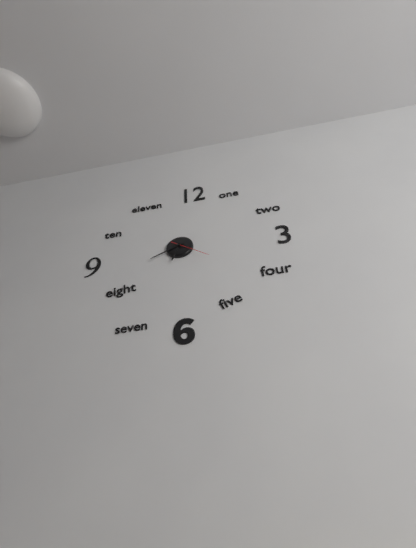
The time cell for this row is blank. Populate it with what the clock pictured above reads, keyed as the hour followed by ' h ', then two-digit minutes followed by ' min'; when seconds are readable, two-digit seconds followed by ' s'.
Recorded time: 6 h 41 min
